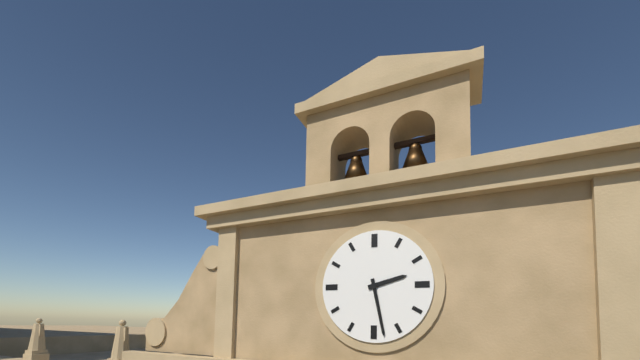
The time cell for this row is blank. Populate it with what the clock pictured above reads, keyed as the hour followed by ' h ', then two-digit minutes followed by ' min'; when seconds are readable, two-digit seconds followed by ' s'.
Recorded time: 2 h 28 min
